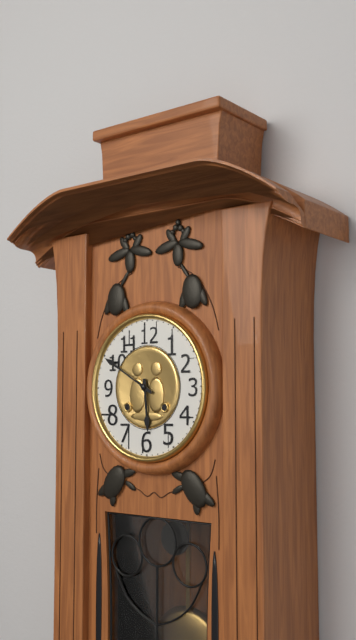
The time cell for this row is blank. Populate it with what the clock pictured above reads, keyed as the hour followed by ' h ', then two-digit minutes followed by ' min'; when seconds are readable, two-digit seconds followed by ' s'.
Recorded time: 5 h 50 min
